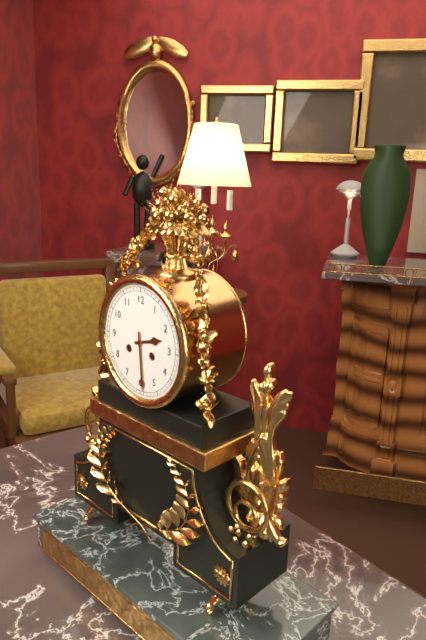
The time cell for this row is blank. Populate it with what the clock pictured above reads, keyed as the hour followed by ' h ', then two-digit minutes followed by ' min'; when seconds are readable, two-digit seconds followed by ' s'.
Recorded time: 2 h 29 min
